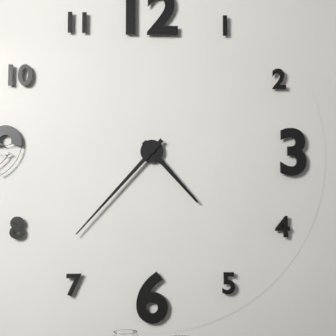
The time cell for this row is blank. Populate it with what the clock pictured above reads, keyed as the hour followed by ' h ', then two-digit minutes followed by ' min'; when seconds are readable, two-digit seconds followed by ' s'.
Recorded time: 4 h 37 min
